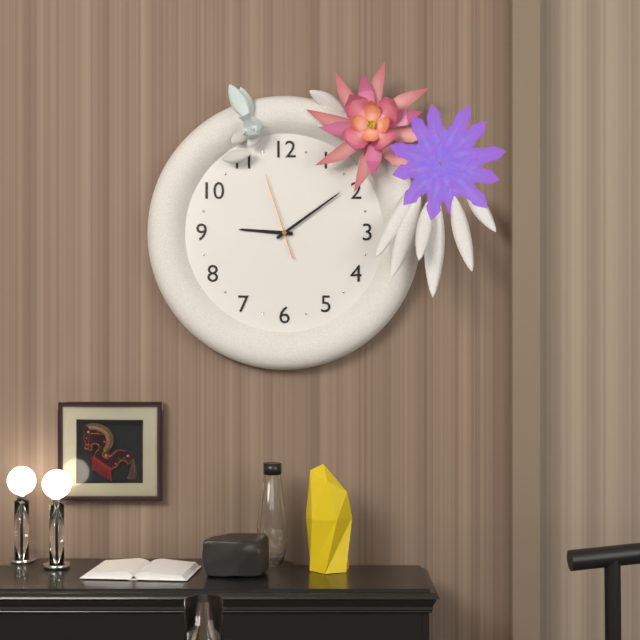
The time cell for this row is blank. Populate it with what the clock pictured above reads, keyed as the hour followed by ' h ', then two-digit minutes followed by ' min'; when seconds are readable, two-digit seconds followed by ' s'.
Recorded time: 9 h 09 min 57 s
